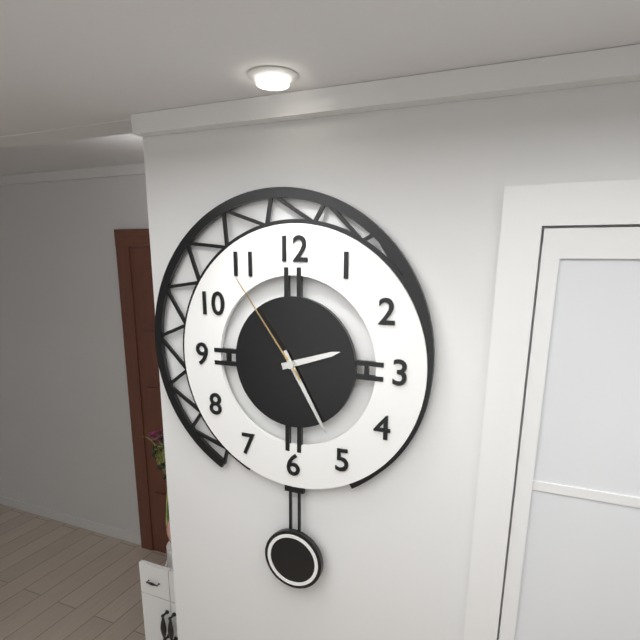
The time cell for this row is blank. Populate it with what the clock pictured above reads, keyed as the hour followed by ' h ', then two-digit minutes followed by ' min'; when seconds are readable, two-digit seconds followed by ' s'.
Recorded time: 2 h 25 min 54 s
